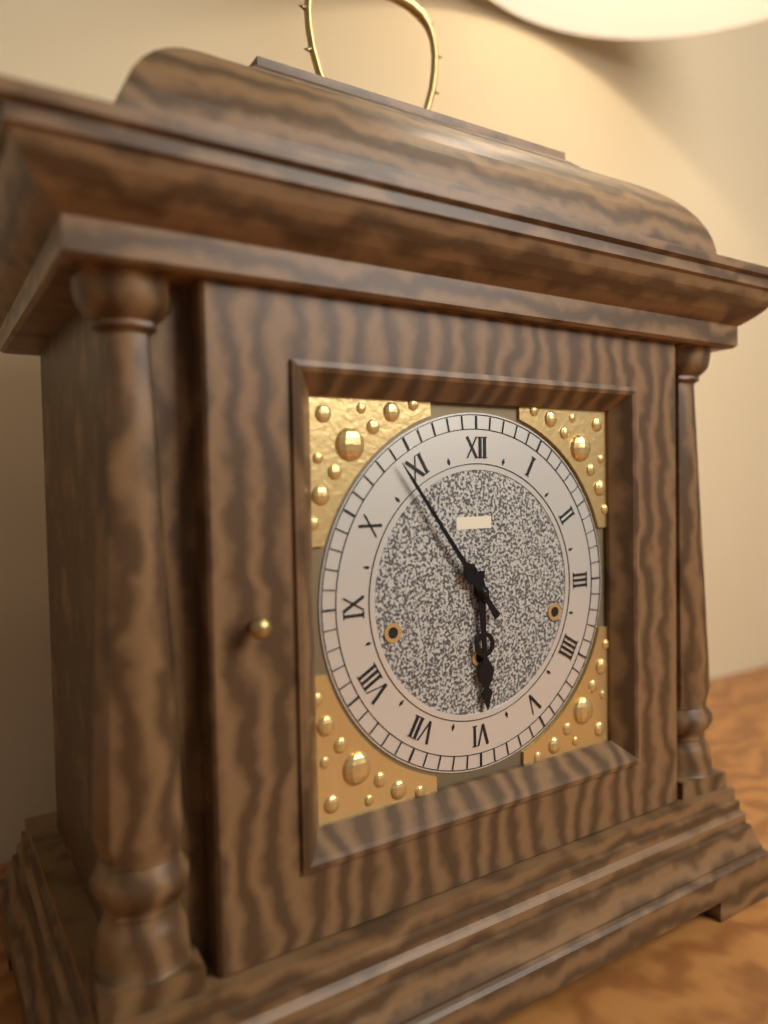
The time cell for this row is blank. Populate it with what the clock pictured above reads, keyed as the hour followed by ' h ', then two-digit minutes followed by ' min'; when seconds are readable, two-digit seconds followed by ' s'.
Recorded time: 5 h 54 min
